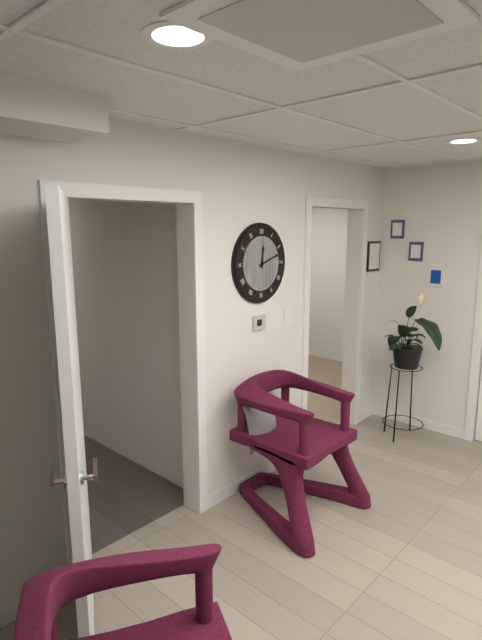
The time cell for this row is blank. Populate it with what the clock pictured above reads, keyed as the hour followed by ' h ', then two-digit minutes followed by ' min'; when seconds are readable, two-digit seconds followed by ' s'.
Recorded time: 12 h 12 min
